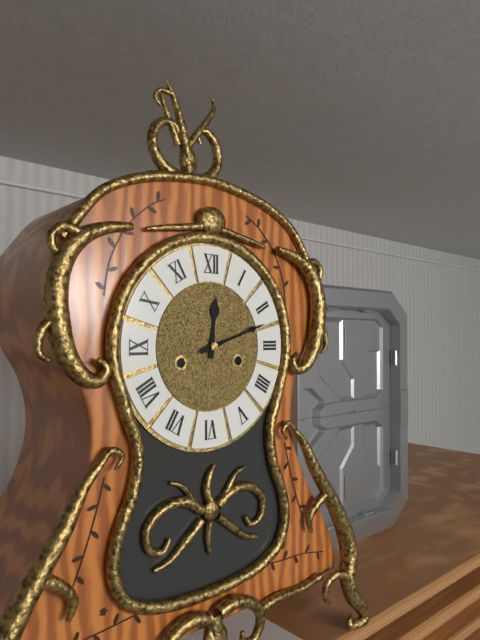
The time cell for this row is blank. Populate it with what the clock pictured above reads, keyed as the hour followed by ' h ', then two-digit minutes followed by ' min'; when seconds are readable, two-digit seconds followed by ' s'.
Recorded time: 12 h 12 min
